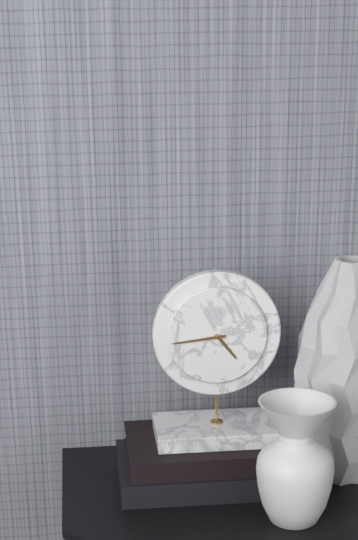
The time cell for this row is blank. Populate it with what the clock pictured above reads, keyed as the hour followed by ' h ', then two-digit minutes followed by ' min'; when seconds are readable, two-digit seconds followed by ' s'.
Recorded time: 4 h 44 min
